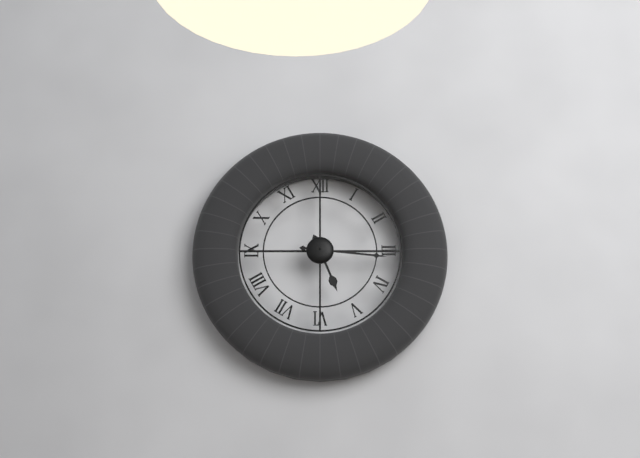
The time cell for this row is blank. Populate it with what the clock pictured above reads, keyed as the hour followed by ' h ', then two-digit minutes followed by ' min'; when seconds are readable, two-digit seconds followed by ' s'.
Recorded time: 5 h 16 min
